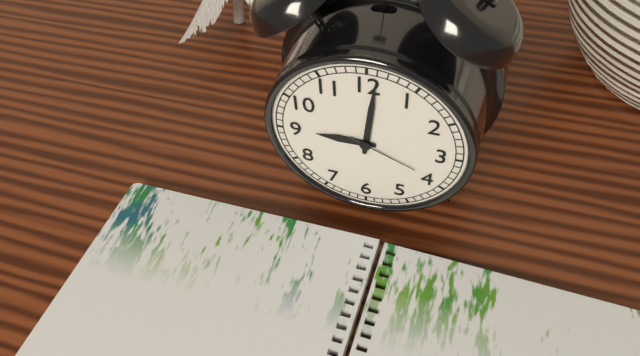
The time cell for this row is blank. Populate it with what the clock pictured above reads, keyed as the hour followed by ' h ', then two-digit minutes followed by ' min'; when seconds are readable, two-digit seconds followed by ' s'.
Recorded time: 9 h 01 min 19 s
